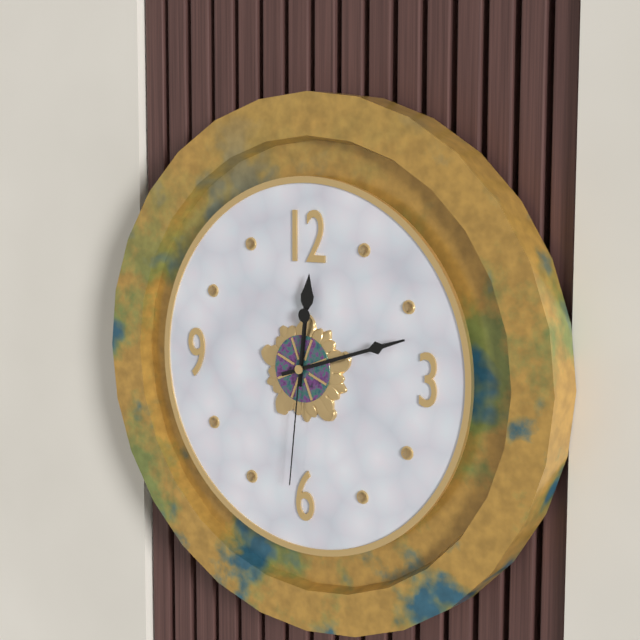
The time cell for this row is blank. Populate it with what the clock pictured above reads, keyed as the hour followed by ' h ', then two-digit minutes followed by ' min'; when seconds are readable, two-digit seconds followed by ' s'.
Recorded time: 12 h 12 min 31 s
